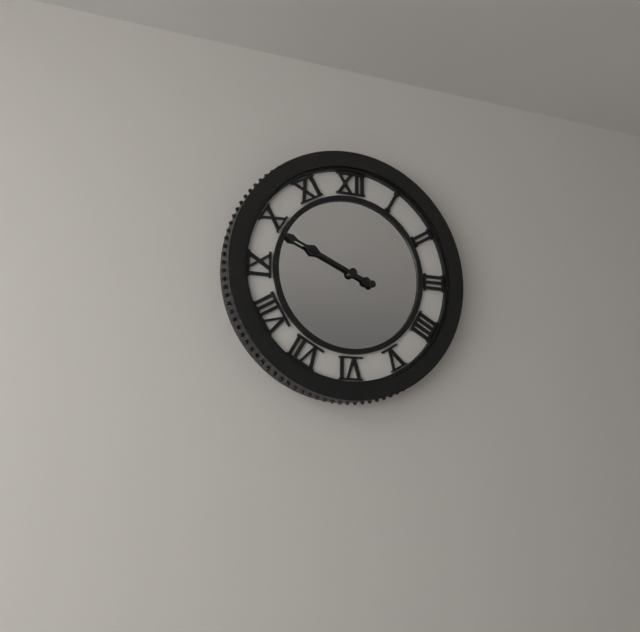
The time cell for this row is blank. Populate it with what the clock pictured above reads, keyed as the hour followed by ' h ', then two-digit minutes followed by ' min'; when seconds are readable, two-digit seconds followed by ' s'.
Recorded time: 9 h 49 min
